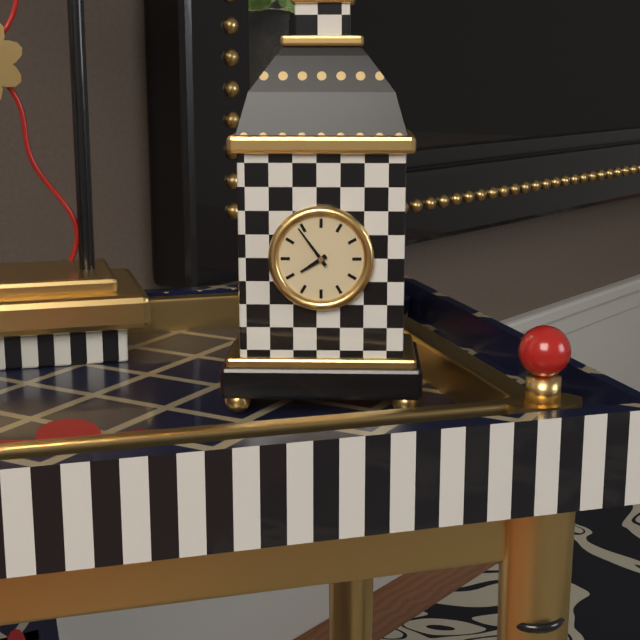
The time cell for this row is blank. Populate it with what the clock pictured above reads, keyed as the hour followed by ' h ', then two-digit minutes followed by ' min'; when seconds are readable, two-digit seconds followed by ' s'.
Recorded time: 7 h 54 min
